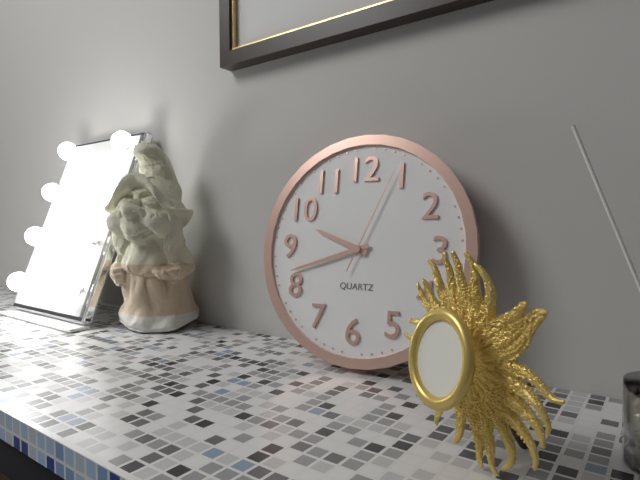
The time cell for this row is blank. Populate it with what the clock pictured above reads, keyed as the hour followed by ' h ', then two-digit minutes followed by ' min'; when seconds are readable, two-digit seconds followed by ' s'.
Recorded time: 9 h 42 min 04 s
